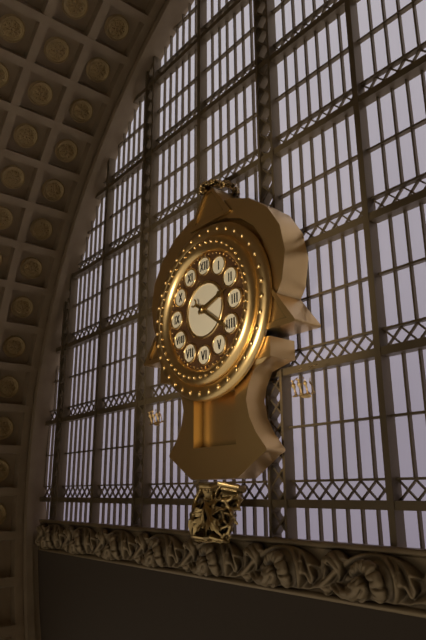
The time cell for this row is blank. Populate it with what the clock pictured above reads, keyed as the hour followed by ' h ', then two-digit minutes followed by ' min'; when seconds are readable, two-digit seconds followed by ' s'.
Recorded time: 2 h 21 min
